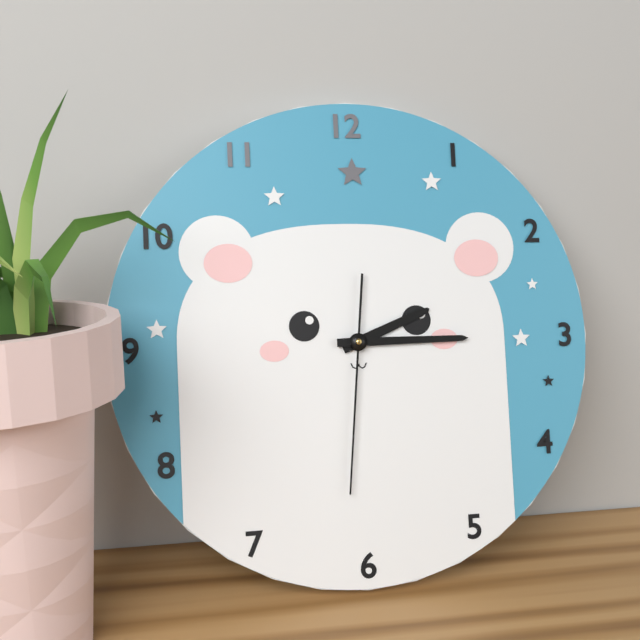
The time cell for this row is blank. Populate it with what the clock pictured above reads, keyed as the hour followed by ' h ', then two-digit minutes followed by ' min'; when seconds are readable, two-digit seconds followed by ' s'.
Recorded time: 2 h 15 min 31 s
